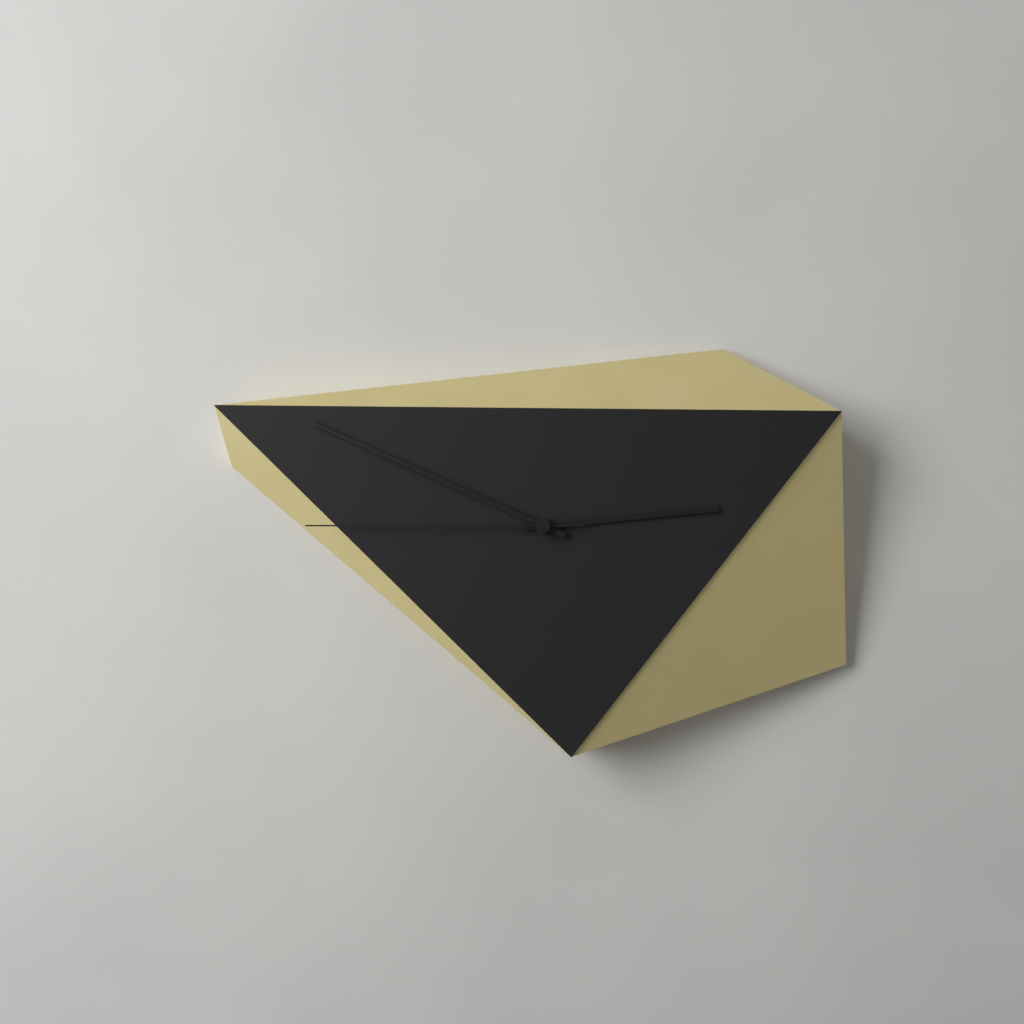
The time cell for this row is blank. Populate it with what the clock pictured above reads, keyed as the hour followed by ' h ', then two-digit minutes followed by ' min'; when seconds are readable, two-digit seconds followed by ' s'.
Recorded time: 2 h 49 min 45 s
